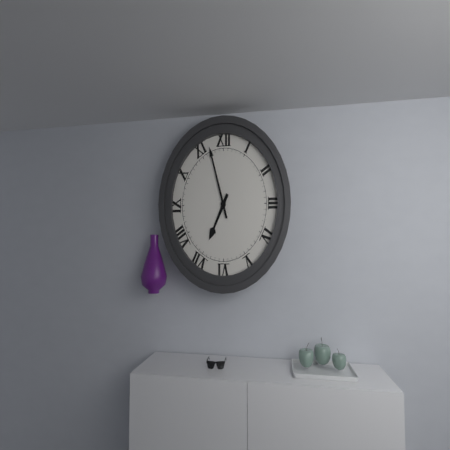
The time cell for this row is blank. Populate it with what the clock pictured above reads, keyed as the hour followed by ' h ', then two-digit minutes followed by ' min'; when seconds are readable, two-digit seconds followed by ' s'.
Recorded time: 6 h 57 min
